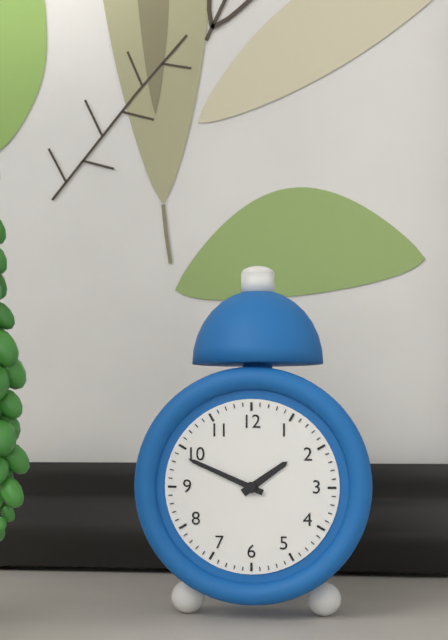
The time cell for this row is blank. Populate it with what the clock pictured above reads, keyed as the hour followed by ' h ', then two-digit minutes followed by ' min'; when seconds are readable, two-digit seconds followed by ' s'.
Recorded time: 1 h 49 min
